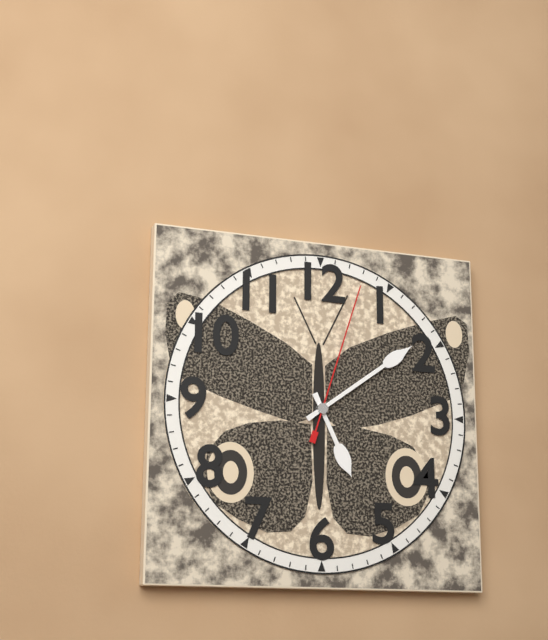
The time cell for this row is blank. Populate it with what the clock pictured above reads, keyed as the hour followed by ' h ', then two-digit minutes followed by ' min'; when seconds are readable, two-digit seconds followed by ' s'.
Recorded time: 5 h 09 min 03 s
